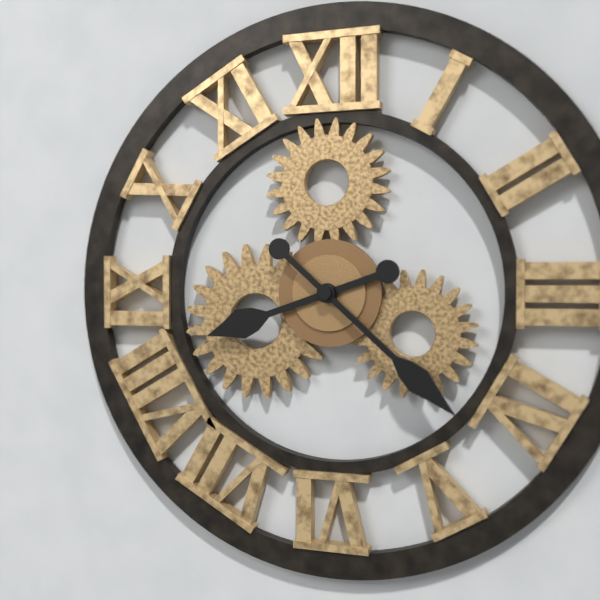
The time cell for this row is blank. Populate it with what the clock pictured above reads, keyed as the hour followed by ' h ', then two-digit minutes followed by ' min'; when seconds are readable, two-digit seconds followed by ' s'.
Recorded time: 8 h 22 min
